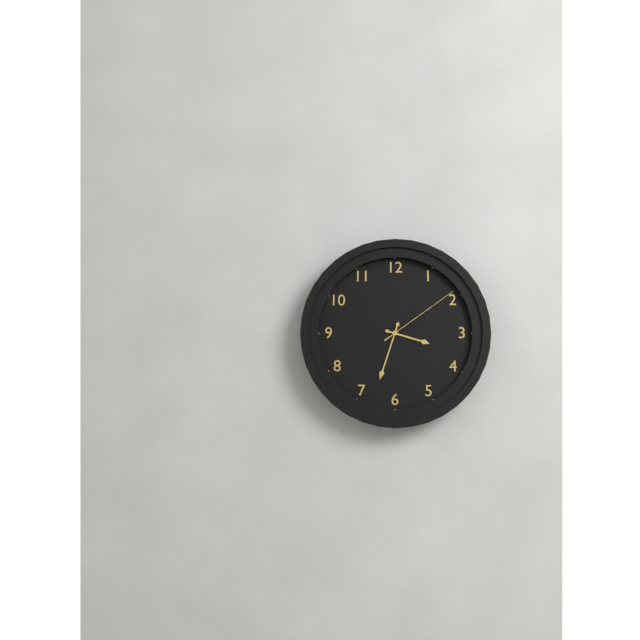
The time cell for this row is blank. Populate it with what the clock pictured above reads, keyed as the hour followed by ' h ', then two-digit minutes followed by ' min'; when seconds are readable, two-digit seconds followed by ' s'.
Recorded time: 3 h 33 min 09 s
